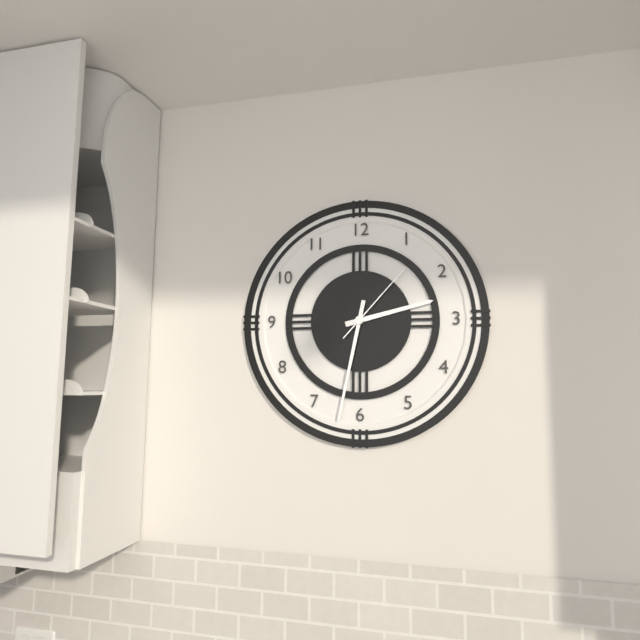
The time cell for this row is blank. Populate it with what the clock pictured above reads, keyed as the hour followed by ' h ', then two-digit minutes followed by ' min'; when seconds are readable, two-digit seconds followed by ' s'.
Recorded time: 2 h 32 min 07 s
